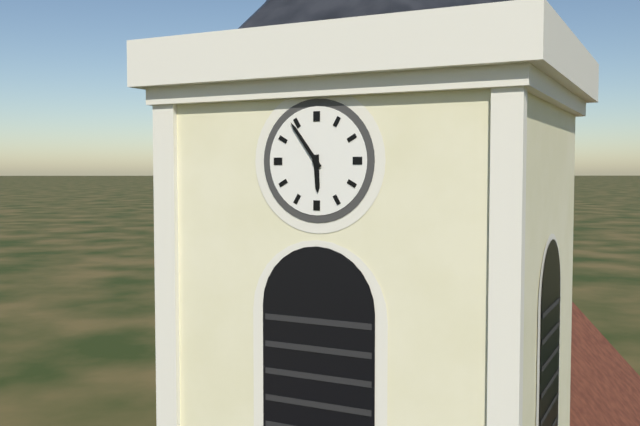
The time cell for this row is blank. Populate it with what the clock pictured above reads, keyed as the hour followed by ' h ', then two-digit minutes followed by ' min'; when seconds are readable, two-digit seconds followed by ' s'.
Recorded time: 5 h 54 min
